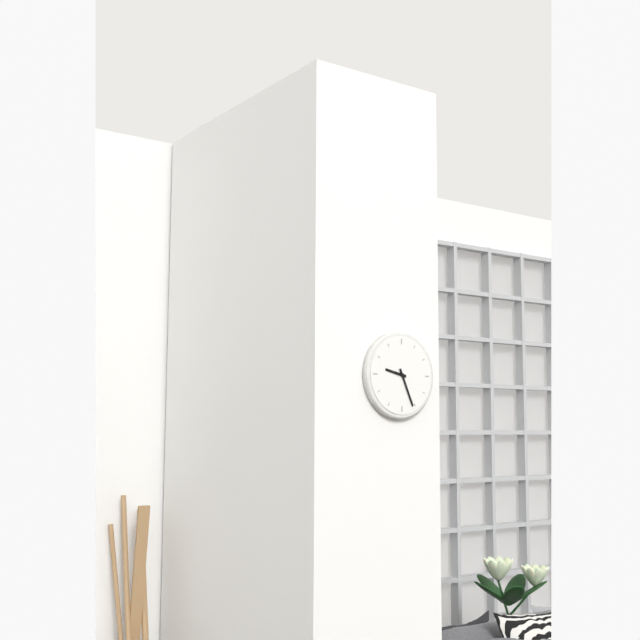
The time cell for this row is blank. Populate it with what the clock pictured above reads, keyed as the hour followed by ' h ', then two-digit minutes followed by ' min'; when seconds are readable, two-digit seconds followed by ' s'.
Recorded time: 9 h 26 min
